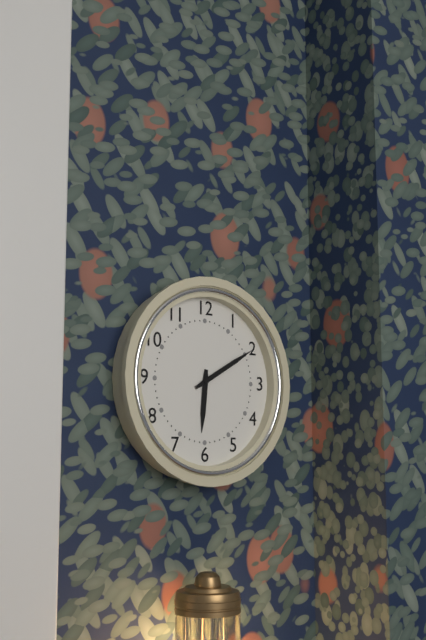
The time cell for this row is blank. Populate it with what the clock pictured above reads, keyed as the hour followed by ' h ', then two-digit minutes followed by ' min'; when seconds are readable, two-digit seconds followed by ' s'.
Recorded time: 6 h 10 min
